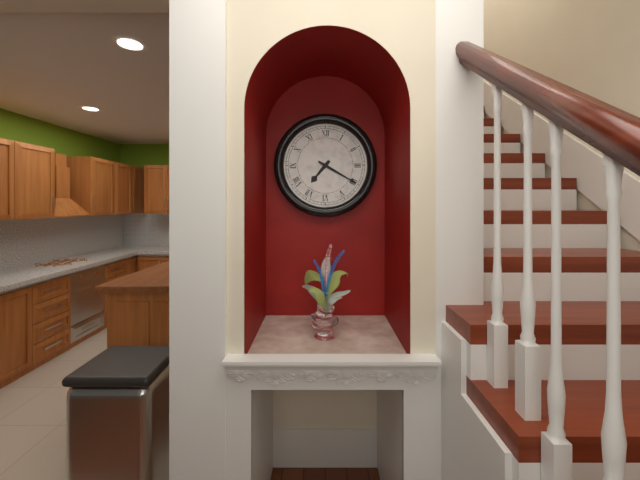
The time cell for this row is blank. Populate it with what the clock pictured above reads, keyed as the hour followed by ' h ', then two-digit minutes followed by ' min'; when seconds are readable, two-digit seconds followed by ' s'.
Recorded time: 7 h 20 min
